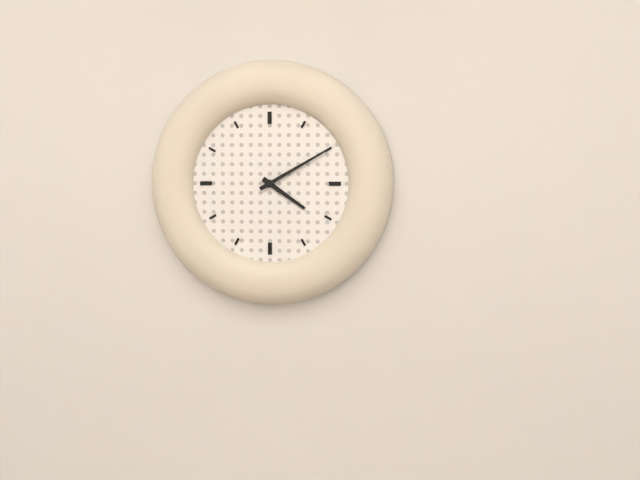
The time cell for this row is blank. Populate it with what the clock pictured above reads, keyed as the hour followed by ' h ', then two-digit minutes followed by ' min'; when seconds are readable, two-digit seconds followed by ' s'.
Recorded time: 4 h 10 min
